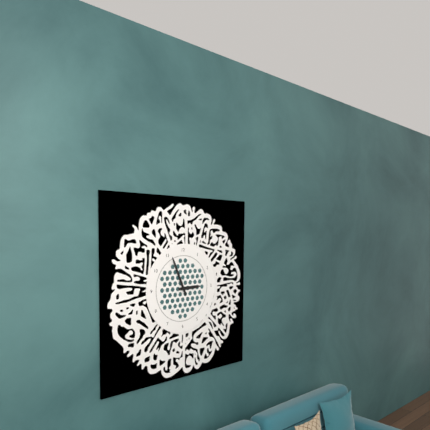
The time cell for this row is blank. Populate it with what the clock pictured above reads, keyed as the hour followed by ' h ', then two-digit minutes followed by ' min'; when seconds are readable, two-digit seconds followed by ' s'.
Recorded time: 2 h 56 min
